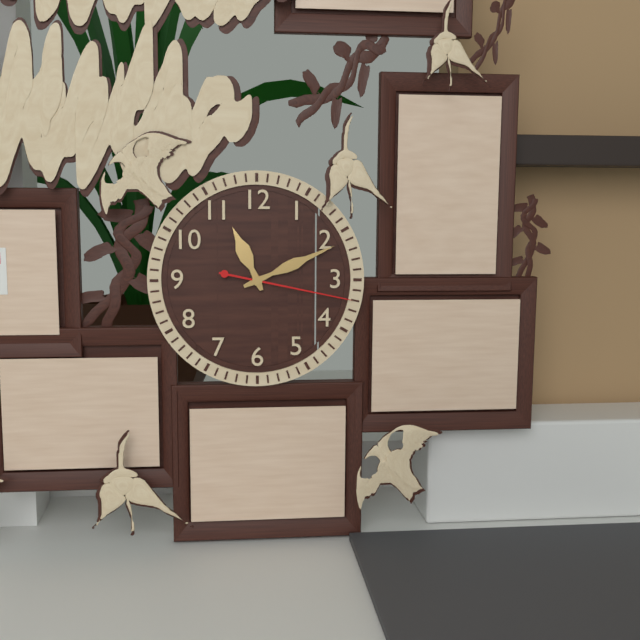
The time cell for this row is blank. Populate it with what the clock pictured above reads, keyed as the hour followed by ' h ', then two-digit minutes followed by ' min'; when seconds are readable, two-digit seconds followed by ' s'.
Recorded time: 11 h 11 min 17 s
